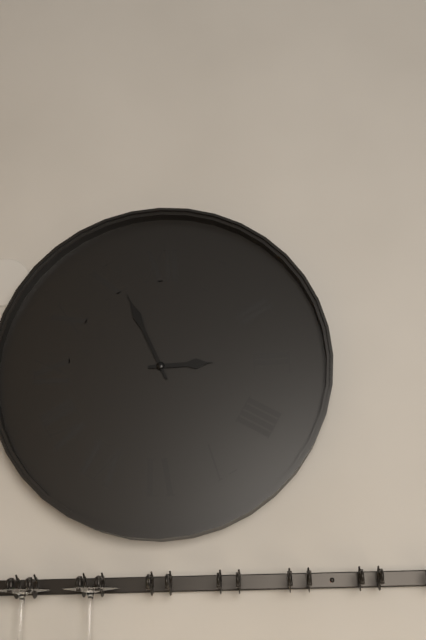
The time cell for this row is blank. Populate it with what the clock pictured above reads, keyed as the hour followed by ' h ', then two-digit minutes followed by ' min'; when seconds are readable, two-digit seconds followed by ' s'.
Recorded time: 2 h 56 min
